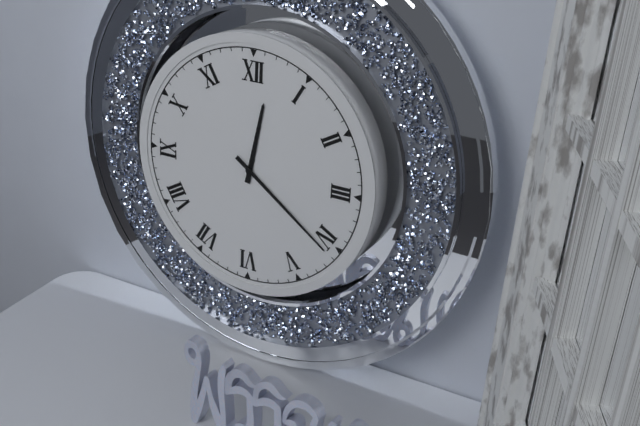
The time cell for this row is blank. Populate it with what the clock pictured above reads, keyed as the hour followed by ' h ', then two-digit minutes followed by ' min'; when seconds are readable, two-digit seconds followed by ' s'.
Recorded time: 12 h 21 min
